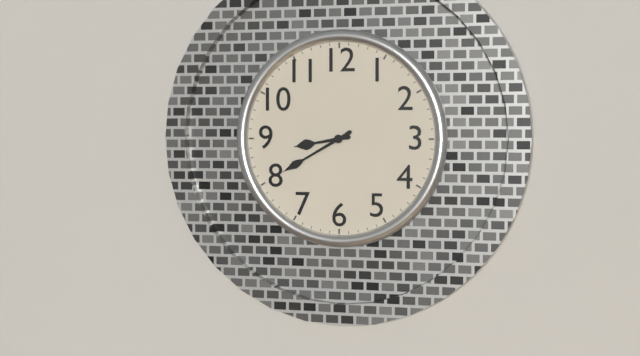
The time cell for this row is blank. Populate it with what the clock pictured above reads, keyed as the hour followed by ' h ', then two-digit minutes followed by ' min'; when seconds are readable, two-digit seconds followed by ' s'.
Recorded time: 8 h 40 min
